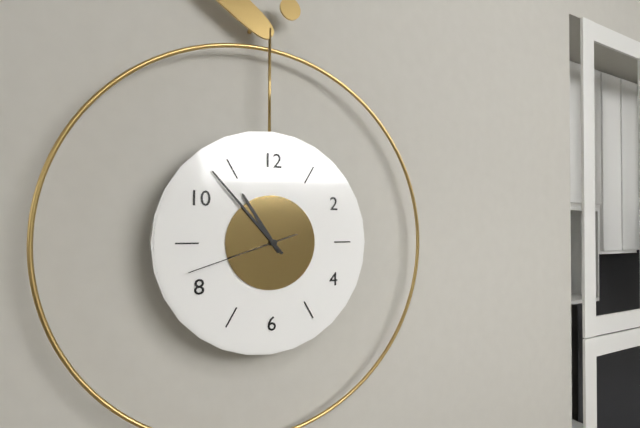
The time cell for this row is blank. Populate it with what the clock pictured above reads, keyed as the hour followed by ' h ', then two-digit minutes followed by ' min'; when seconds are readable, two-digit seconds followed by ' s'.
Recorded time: 10 h 53 min 42 s
